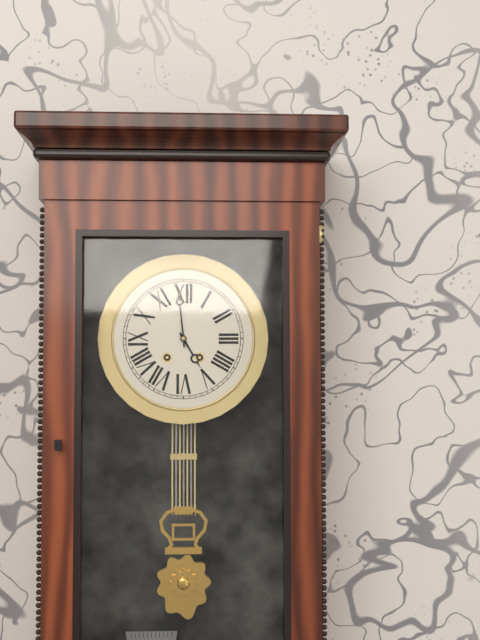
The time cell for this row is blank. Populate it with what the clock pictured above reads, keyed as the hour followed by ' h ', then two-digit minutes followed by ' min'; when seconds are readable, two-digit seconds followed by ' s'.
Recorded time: 4 h 59 min
